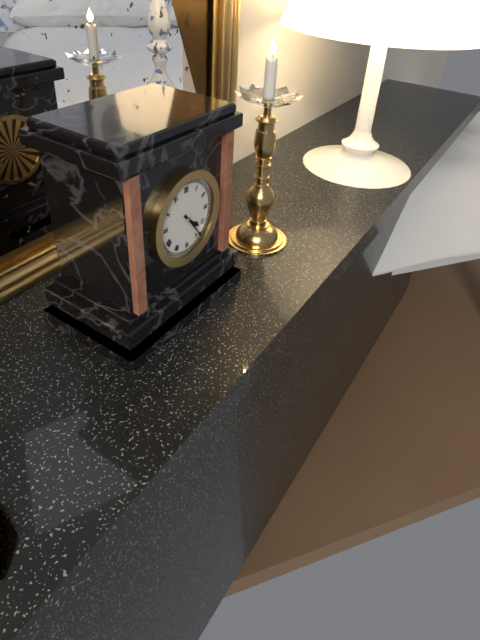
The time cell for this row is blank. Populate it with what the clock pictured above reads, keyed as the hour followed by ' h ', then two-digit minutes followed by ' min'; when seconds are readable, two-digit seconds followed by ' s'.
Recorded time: 4 h 24 min
